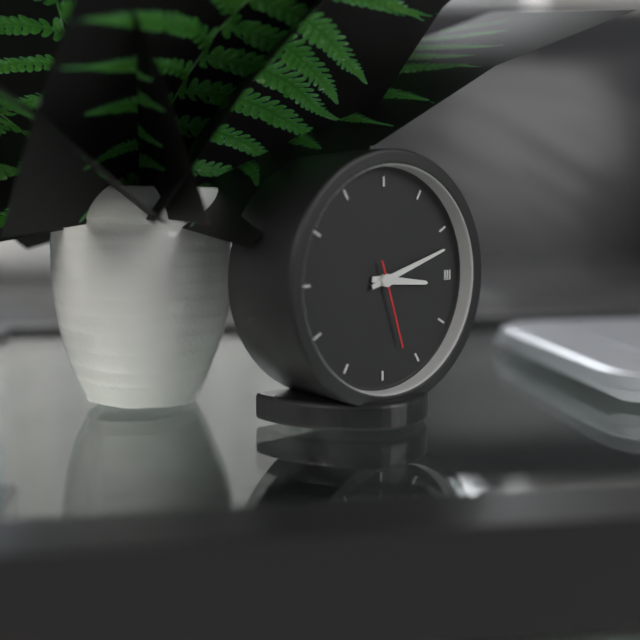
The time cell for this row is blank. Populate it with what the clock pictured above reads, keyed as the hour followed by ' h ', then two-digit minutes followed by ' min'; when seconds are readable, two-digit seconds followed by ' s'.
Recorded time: 3 h 12 min 27 s
